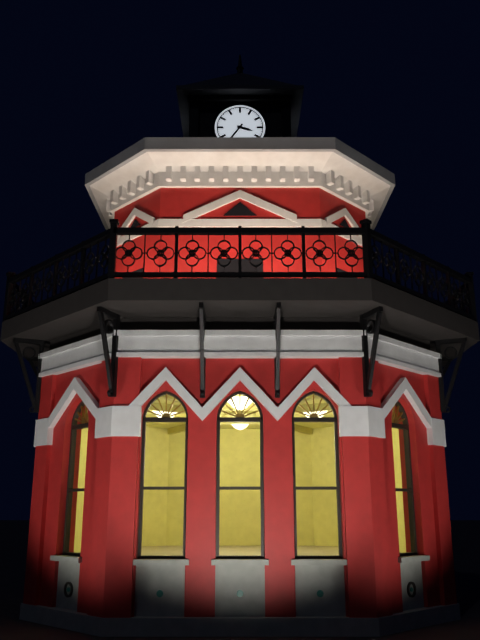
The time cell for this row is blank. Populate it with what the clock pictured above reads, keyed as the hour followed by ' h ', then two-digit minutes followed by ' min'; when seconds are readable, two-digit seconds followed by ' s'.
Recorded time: 3 h 36 min
